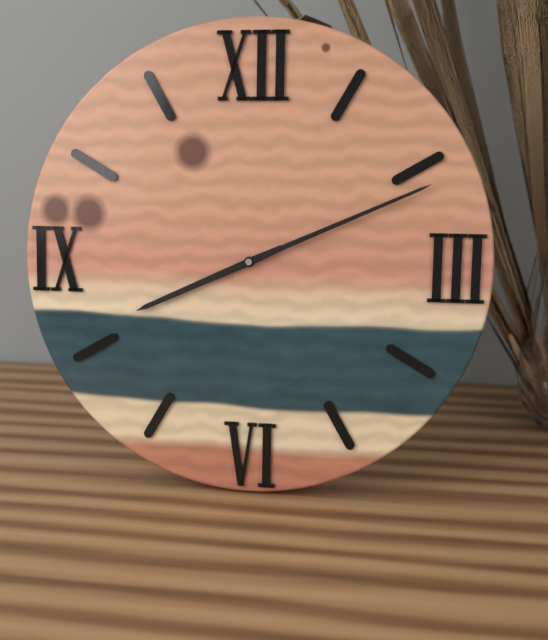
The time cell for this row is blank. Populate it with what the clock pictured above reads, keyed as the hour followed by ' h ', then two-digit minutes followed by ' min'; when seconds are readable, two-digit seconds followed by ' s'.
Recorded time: 8 h 11 min
